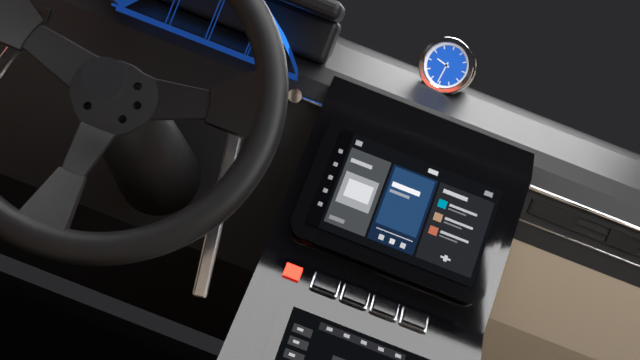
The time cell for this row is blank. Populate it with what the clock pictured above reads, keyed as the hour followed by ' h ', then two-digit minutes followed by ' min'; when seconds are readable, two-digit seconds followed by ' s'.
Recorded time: 9 h 31 min
